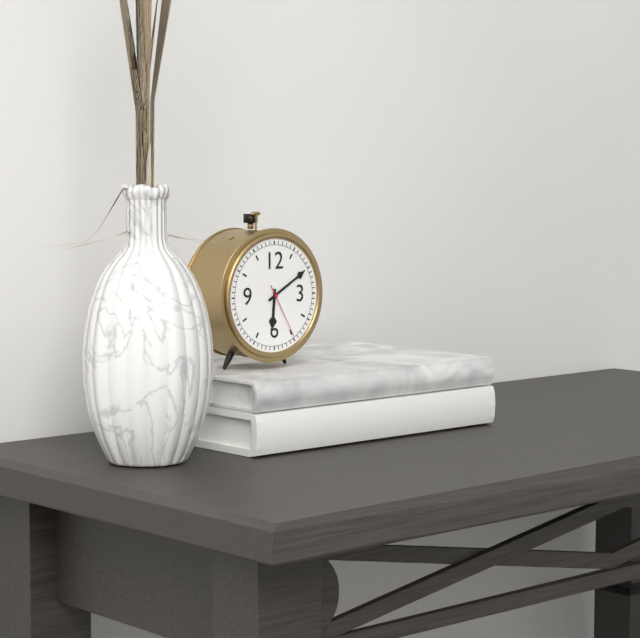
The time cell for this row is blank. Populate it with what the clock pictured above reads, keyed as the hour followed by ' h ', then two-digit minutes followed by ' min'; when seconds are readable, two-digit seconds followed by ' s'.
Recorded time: 6 h 10 min 25 s
